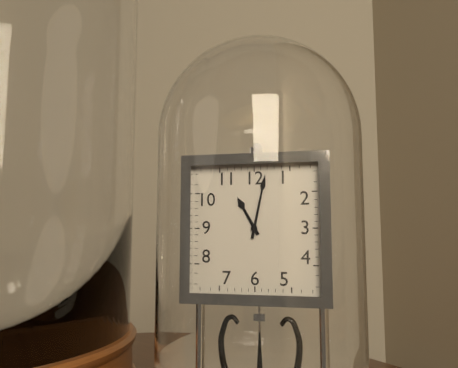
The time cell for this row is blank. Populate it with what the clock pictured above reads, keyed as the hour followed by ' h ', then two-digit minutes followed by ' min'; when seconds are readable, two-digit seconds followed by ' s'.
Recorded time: 11 h 02 min
